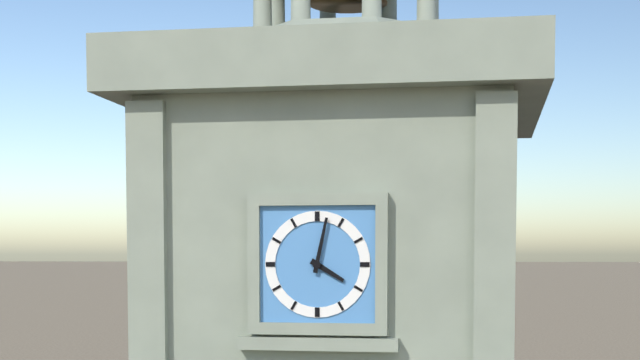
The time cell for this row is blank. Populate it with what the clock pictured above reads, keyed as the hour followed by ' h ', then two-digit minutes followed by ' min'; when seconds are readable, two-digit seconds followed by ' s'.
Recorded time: 4 h 02 min
